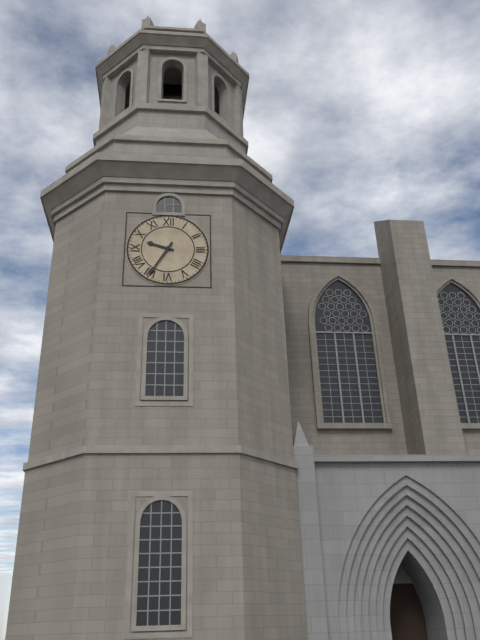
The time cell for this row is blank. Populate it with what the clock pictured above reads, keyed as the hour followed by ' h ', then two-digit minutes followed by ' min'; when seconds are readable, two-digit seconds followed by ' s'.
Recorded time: 9 h 35 min
